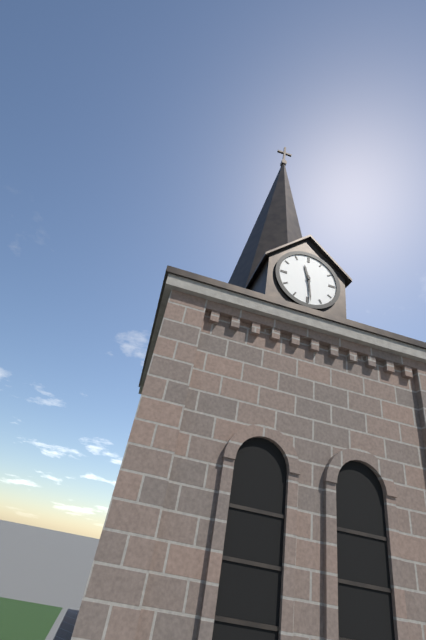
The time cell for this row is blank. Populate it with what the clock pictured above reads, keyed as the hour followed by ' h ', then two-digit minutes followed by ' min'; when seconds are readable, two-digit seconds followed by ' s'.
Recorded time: 11 h 29 min
